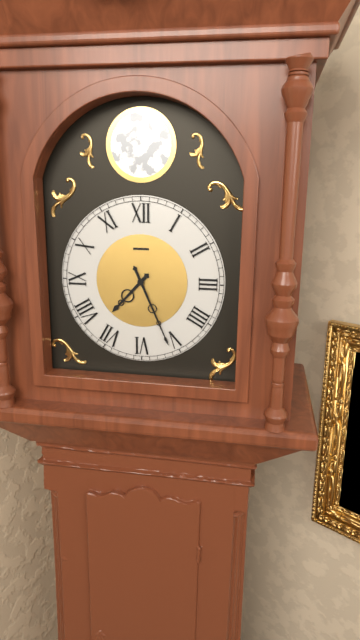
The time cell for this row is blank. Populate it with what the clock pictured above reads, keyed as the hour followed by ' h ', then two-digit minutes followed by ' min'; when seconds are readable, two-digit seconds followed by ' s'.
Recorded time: 7 h 26 min
